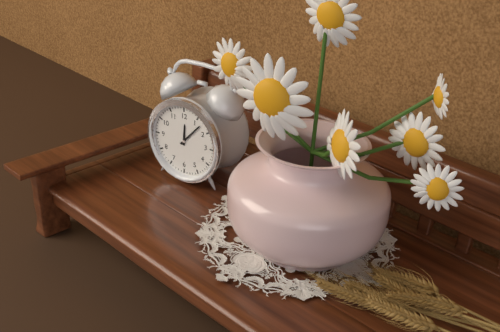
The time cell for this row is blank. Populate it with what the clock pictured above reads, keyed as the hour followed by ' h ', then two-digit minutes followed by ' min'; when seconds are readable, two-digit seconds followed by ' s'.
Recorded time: 12 h 07 min
